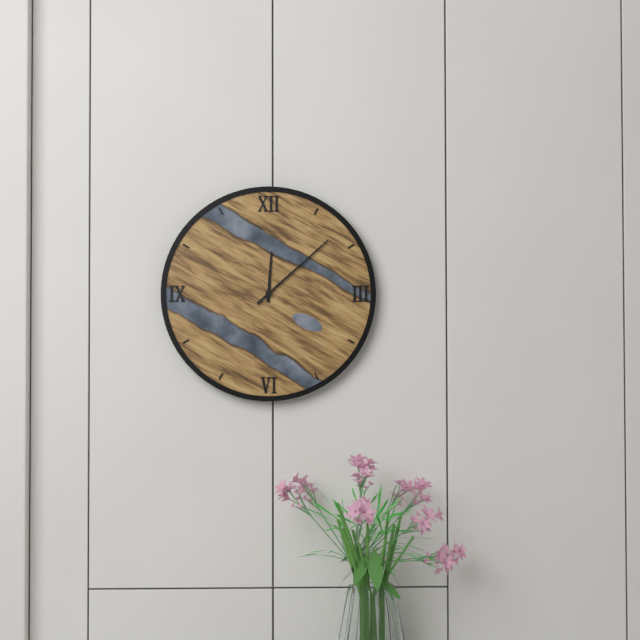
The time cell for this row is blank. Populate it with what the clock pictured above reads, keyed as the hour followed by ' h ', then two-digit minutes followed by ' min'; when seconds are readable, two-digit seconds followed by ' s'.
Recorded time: 12 h 08 min
